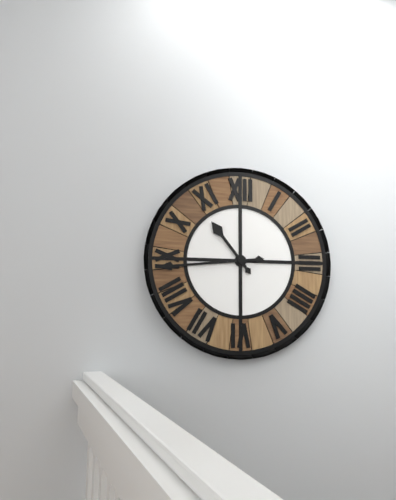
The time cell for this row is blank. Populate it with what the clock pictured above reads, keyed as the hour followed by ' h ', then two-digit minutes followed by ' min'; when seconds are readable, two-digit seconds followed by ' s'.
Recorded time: 10 h 44 min
